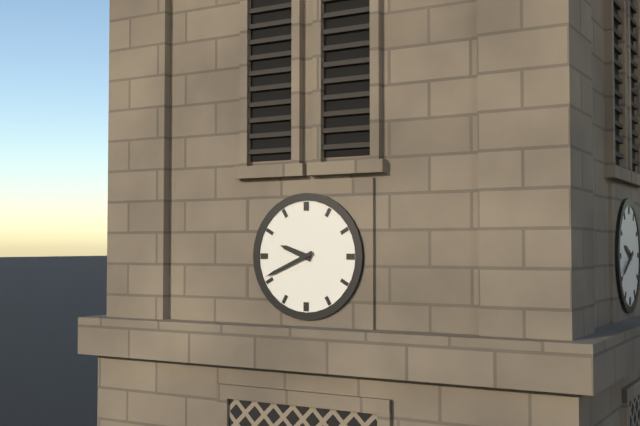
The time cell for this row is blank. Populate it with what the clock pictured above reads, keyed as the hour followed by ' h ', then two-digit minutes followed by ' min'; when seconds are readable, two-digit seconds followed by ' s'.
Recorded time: 9 h 41 min
